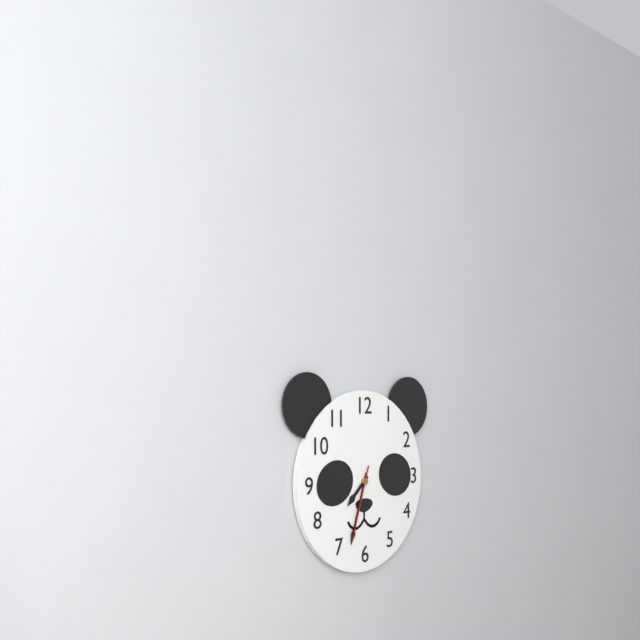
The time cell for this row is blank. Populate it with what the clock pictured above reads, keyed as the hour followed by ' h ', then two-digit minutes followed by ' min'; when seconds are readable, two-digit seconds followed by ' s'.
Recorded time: 7 h 33 min 33 s
